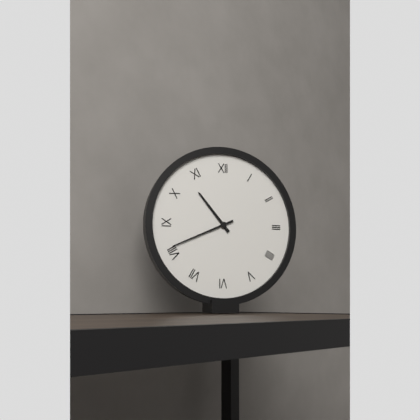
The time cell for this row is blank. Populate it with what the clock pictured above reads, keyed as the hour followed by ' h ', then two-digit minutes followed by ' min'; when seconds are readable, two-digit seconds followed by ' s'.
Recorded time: 10 h 41 min
